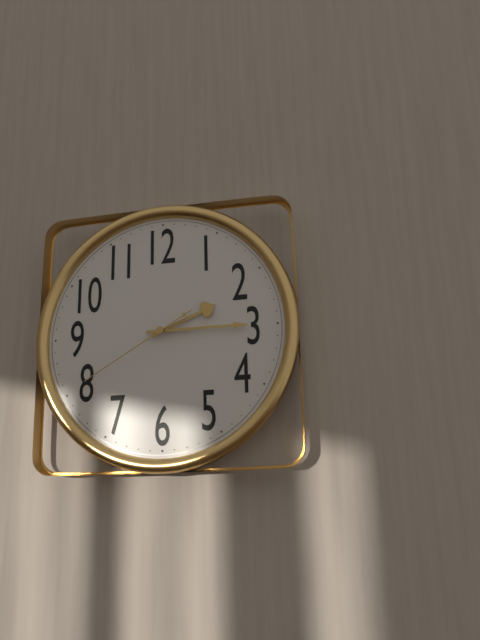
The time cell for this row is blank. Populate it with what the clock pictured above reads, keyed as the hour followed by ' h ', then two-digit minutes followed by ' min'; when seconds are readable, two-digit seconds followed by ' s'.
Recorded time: 2 h 15 min 40 s
